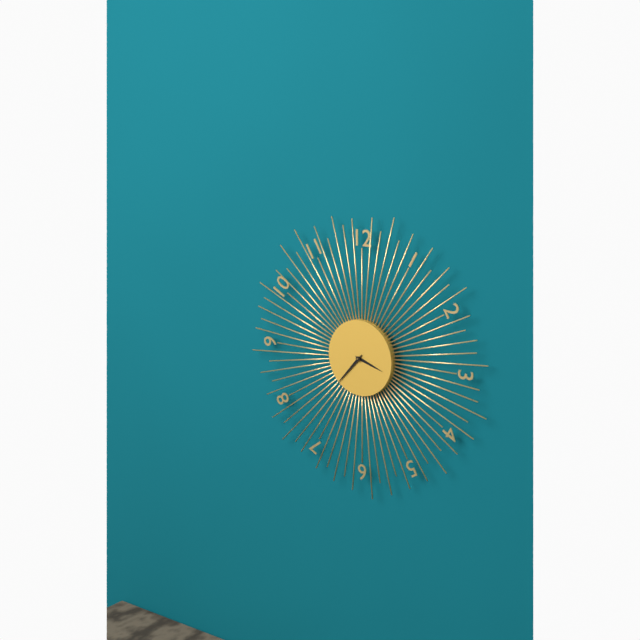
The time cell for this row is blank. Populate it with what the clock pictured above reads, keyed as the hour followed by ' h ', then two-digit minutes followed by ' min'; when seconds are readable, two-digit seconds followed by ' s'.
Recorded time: 3 h 37 min
